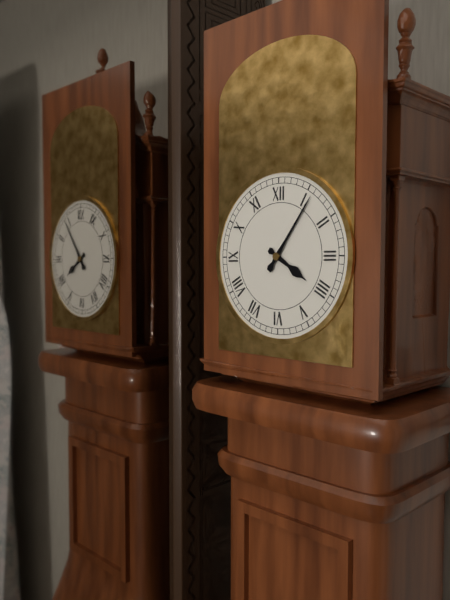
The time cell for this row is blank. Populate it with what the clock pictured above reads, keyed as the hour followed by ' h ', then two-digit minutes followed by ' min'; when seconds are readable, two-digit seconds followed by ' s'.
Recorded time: 4 h 06 min
